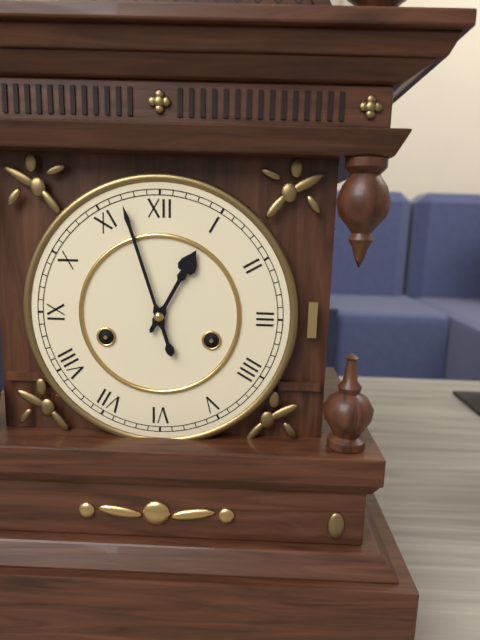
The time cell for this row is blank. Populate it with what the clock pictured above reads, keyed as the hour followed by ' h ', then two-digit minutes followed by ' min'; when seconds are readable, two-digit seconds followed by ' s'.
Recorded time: 12 h 57 min
